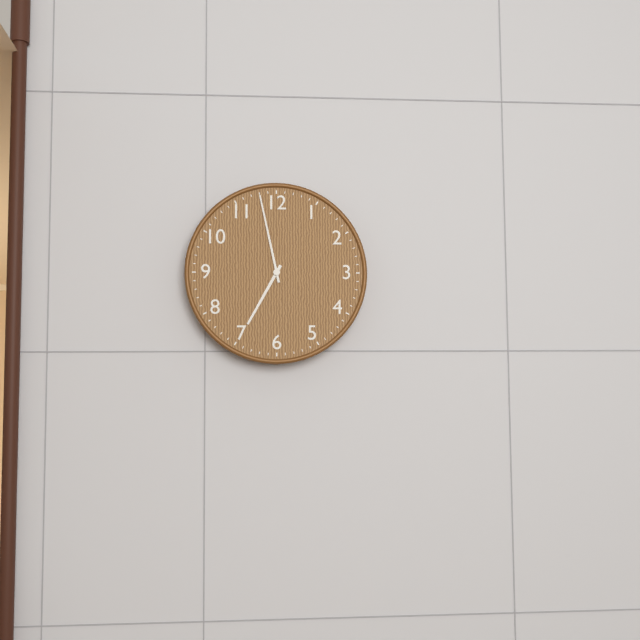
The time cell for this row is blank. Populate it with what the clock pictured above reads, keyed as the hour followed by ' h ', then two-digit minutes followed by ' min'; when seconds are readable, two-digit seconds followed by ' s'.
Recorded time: 6 h 58 min
